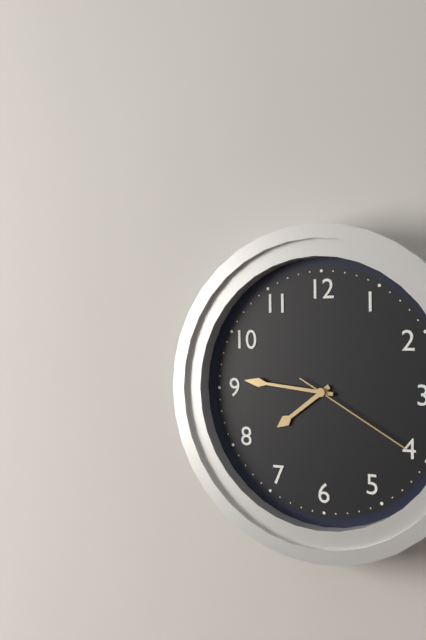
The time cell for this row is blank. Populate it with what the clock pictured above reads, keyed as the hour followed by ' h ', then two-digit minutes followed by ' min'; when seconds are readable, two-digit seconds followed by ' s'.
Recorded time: 7 h 46 min 20 s
